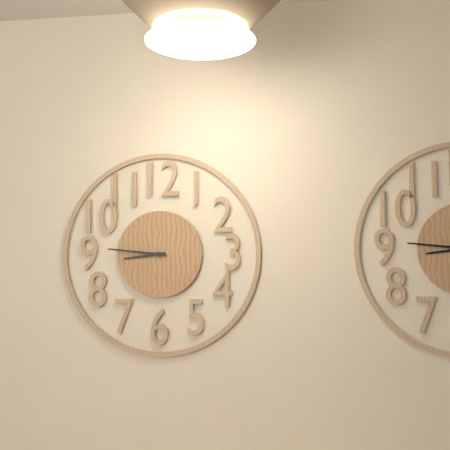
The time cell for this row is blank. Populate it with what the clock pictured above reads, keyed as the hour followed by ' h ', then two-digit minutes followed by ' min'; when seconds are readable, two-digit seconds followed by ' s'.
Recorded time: 8 h 46 min
